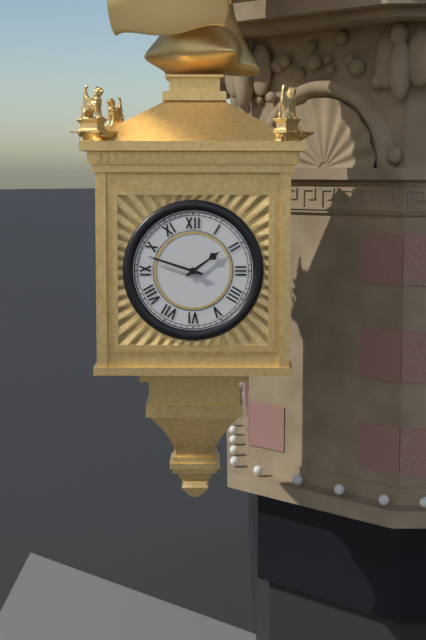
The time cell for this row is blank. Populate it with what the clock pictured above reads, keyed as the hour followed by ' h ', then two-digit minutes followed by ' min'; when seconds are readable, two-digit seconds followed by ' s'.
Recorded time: 1 h 48 min
